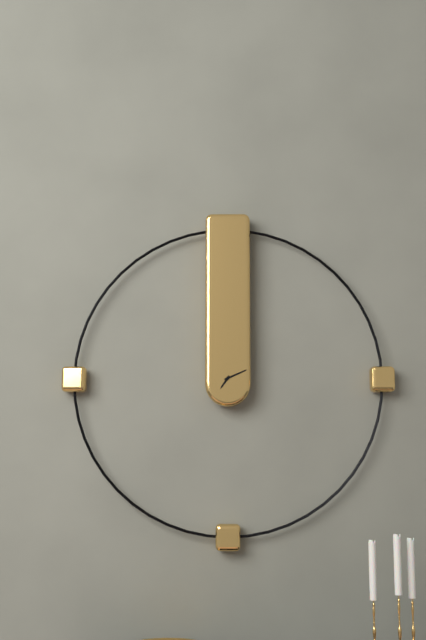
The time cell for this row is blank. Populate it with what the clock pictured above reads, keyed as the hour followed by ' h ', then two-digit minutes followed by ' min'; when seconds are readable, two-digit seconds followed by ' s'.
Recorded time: 7 h 11 min
